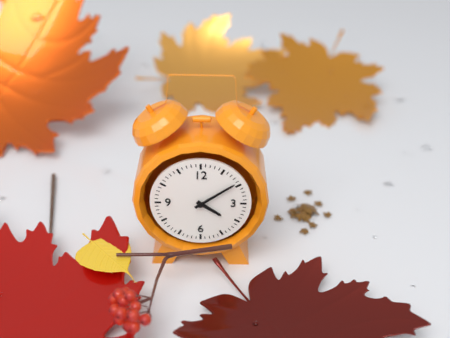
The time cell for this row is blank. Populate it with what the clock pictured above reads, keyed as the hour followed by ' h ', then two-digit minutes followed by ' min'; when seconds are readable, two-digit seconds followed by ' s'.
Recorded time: 4 h 09 min
